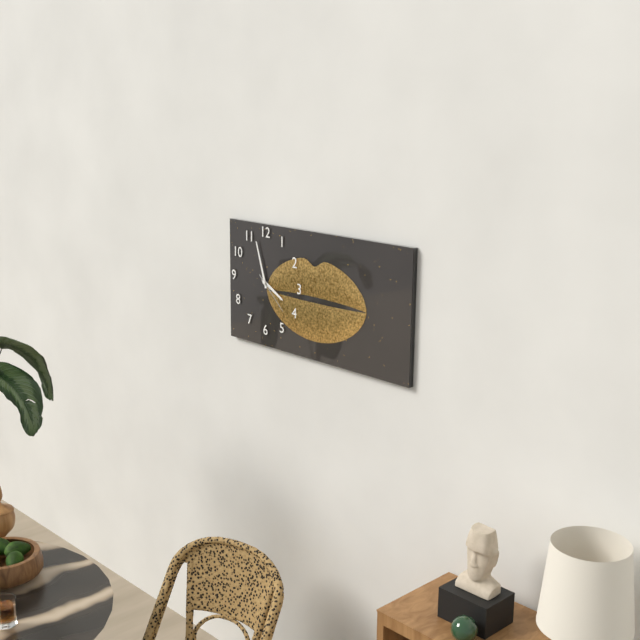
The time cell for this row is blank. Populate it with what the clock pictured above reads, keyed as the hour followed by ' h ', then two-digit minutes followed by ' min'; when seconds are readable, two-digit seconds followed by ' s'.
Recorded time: 3 h 57 min
